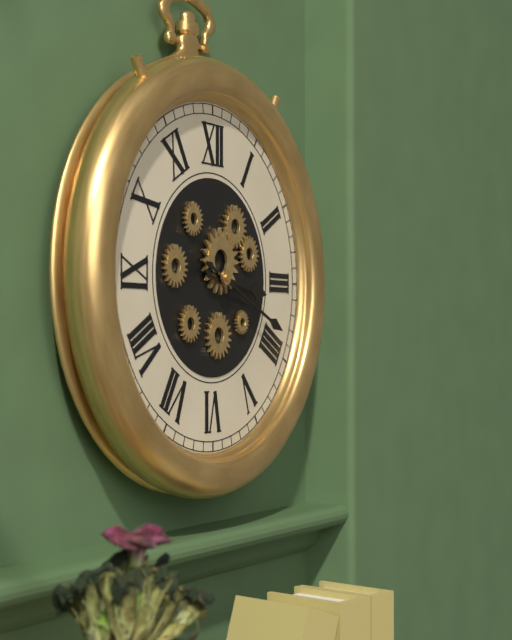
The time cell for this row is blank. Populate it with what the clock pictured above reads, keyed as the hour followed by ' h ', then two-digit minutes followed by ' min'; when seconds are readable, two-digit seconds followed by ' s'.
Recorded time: 3 h 19 min
